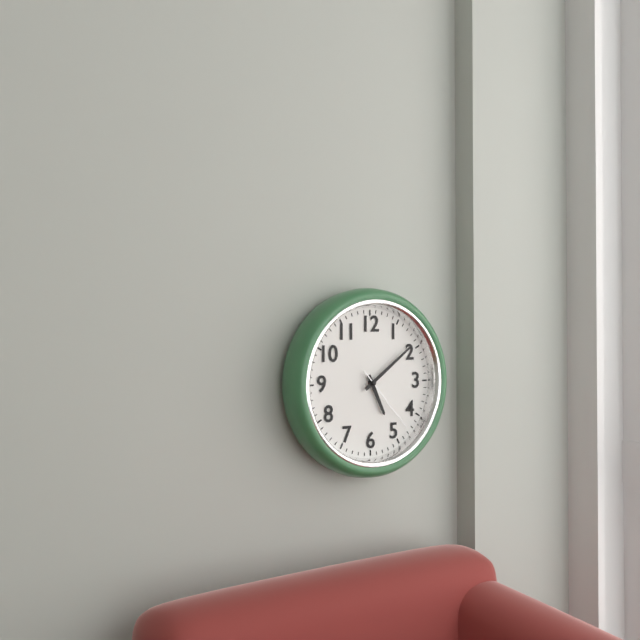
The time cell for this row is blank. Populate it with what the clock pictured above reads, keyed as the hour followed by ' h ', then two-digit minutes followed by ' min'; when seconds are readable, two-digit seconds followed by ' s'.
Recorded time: 5 h 09 min 23 s
